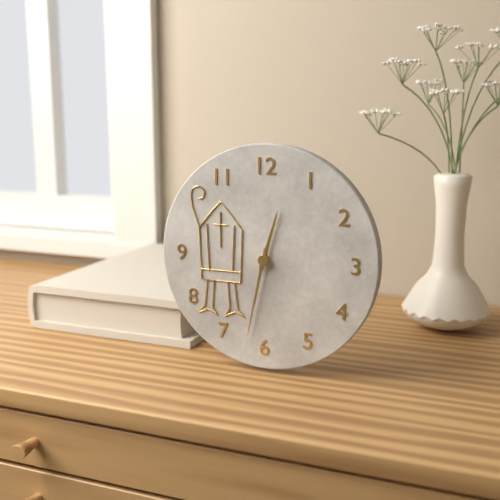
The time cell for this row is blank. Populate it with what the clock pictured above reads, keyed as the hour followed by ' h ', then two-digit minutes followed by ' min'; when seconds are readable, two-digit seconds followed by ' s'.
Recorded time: 12 h 32 min
